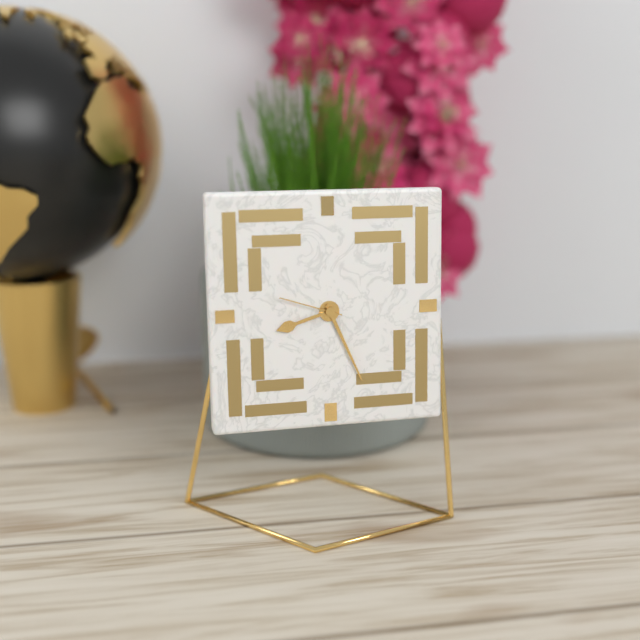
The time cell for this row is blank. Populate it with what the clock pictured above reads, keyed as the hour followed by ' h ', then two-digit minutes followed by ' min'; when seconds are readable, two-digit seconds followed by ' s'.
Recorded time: 8 h 26 min 48 s
